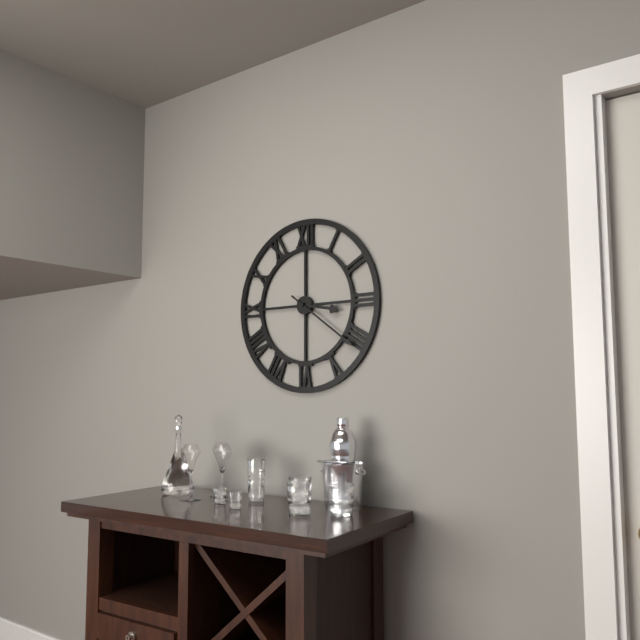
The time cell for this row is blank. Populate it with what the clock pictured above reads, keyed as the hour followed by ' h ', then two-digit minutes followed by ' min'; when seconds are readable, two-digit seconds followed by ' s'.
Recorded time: 3 h 21 min
